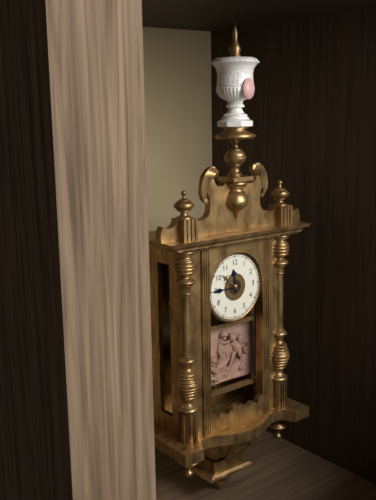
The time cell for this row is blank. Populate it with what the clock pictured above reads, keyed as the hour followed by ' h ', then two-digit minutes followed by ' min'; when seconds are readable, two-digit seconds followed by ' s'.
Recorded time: 11 h 45 min
